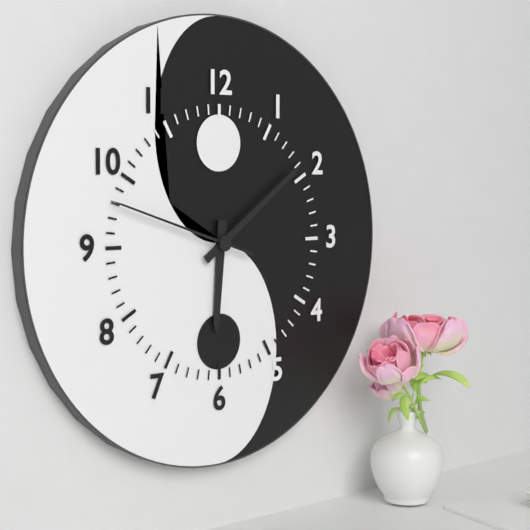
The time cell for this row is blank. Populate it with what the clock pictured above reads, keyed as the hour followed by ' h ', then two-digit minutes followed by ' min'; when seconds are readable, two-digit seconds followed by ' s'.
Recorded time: 6 h 09 min 48 s
